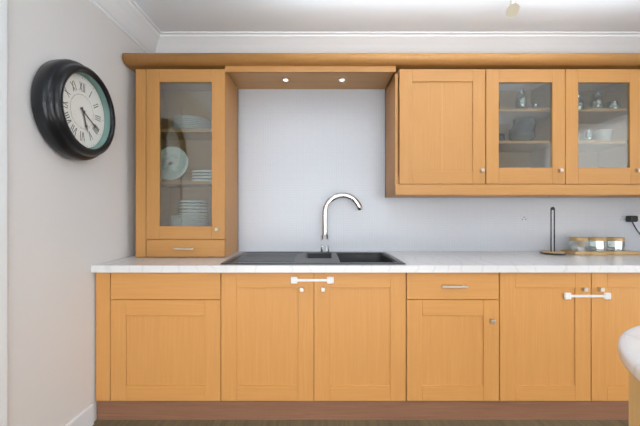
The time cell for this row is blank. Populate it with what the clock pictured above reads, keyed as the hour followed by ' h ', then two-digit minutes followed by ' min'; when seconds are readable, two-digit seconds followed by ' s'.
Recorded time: 5 h 20 min
